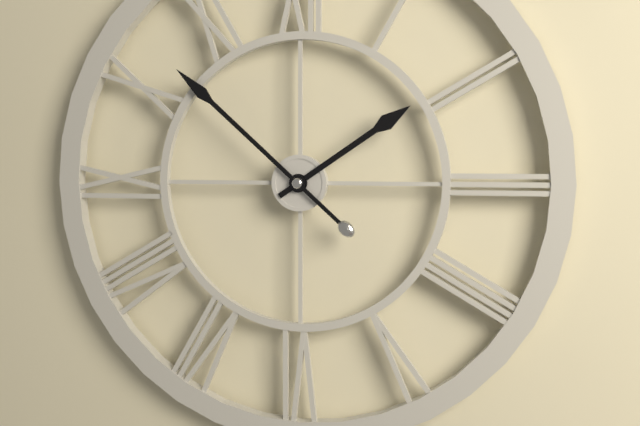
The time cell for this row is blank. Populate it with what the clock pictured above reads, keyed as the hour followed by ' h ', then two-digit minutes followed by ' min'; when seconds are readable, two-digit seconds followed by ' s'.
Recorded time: 1 h 52 min
